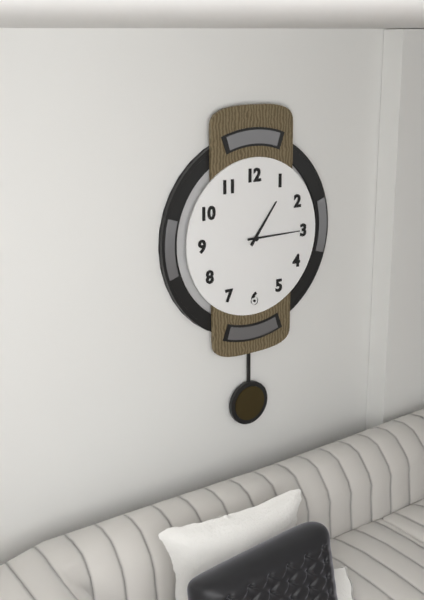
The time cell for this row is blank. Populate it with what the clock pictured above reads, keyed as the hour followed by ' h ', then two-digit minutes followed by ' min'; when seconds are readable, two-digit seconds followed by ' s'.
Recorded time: 1 h 15 min
